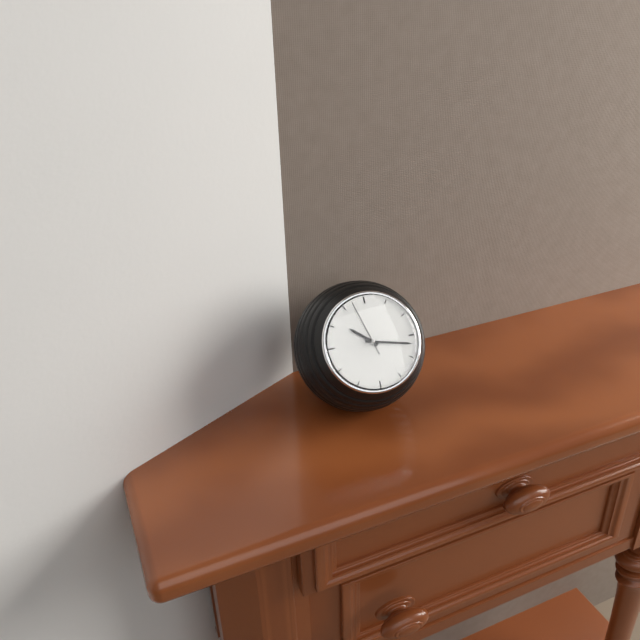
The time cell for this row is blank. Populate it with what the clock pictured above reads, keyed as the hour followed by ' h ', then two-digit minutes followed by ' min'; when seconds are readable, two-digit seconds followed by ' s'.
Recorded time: 10 h 17 min 57 s
